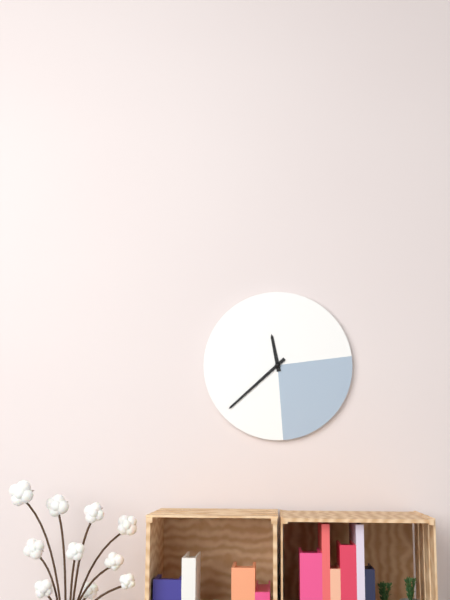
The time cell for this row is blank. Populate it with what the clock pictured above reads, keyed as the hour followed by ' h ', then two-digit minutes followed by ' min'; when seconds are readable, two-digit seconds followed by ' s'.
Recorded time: 11 h 38 min
